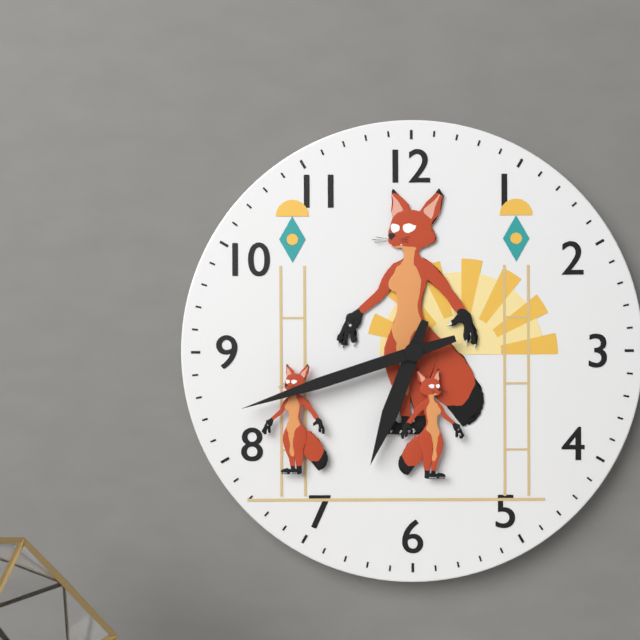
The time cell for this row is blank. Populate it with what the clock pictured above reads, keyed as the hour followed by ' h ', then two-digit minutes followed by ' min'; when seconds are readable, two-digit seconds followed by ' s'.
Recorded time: 6 h 42 min
